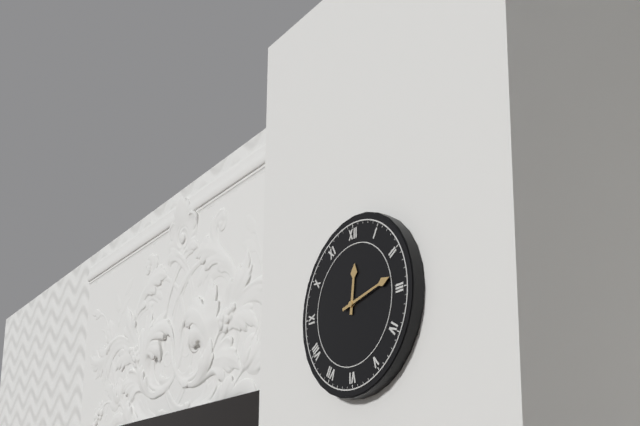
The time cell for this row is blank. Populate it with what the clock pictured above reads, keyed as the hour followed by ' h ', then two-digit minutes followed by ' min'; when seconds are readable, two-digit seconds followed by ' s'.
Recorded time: 12 h 13 min
